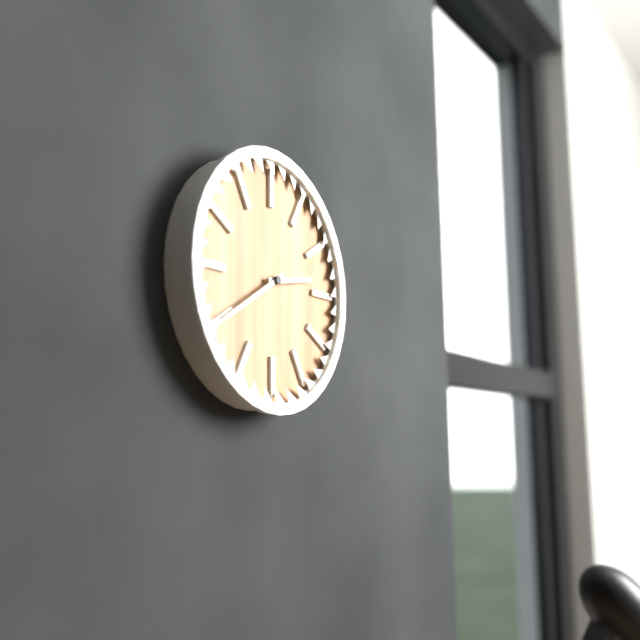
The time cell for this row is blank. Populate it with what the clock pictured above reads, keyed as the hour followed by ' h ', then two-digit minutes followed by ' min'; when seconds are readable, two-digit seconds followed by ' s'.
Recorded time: 2 h 40 min
